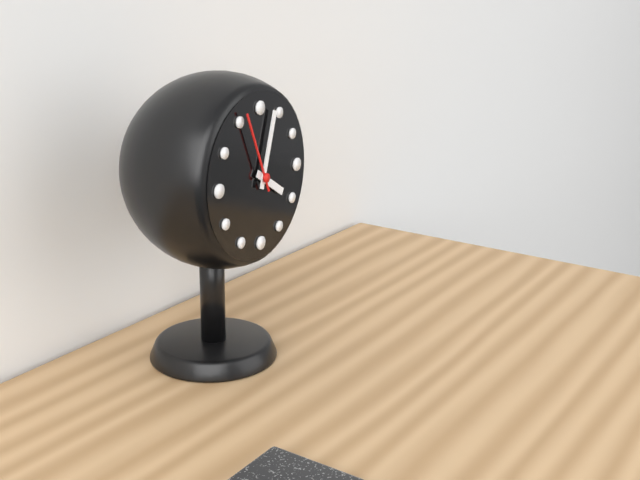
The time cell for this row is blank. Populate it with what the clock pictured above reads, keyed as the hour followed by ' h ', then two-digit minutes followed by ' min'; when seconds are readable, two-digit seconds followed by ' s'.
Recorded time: 4 h 03 min 56 s
